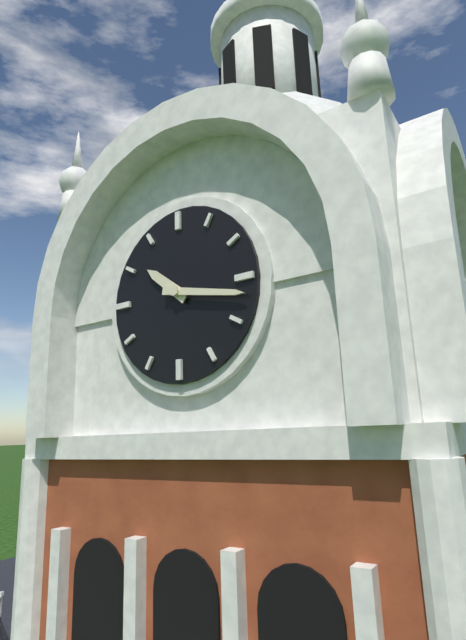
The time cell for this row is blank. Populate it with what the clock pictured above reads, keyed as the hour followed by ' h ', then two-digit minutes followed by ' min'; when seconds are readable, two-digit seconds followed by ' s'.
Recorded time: 10 h 17 min
